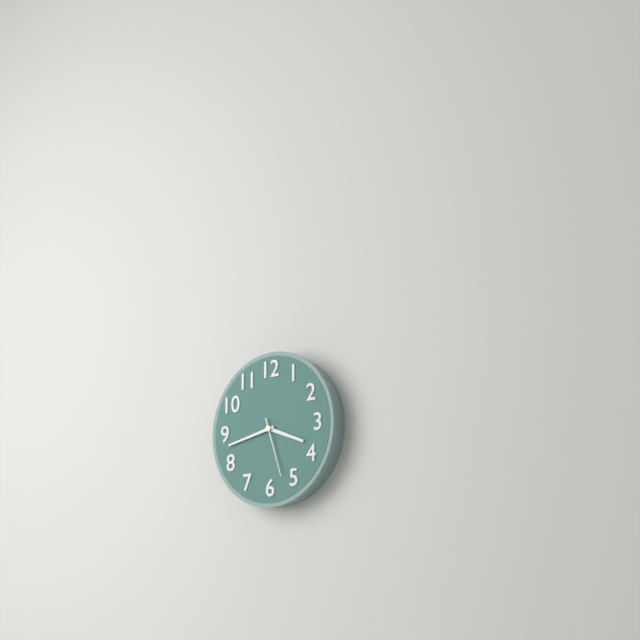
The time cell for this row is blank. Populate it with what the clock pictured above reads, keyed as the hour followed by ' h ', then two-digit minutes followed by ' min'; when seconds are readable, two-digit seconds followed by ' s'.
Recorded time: 3 h 43 min 27 s
